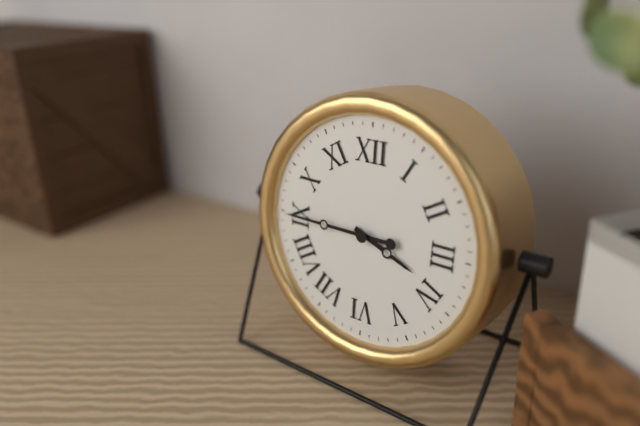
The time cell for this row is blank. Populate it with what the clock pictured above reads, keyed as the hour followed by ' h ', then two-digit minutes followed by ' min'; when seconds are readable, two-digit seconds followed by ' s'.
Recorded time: 3 h 45 min
